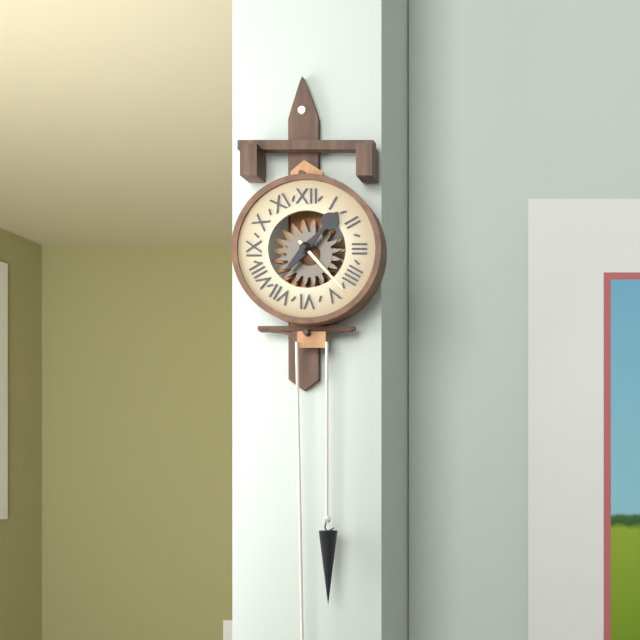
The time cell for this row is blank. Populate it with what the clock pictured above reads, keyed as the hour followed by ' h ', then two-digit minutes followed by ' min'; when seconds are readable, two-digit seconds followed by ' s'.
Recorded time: 1 h 23 min
